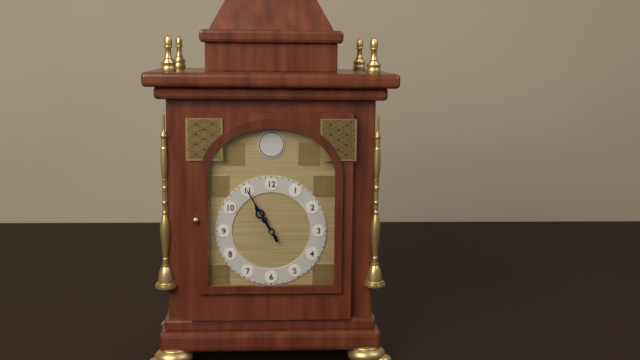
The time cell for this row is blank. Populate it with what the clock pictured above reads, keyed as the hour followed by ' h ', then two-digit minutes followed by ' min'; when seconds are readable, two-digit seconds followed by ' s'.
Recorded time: 10 h 55 min
